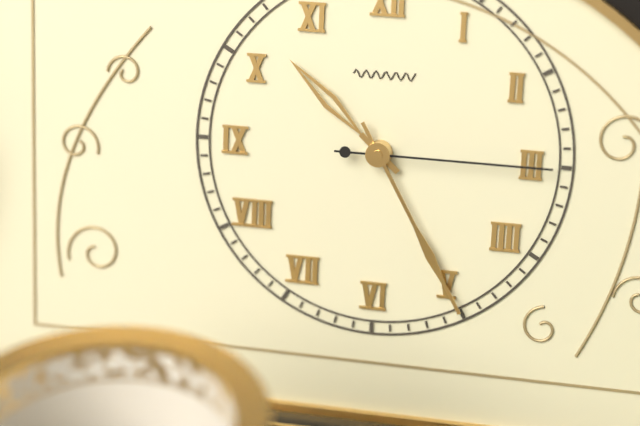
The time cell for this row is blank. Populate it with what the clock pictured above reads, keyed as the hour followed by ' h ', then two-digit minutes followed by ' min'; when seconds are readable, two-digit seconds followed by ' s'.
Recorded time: 10 h 25 min 15 s
